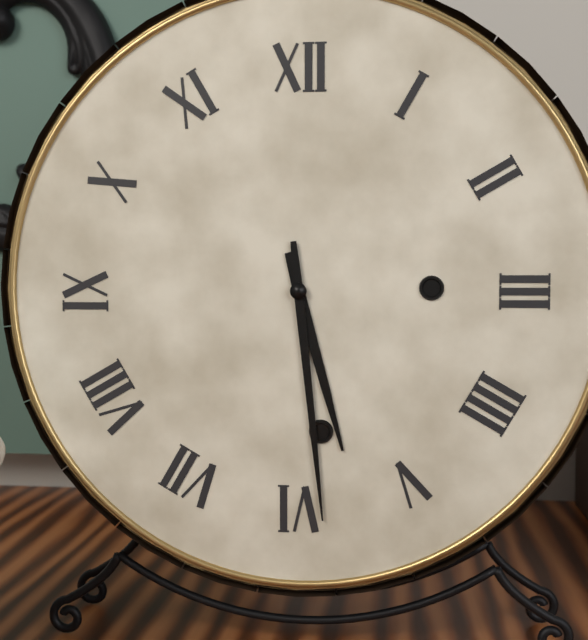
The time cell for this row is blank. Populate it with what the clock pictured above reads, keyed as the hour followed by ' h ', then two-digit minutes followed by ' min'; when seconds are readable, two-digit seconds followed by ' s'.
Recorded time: 5 h 29 min
